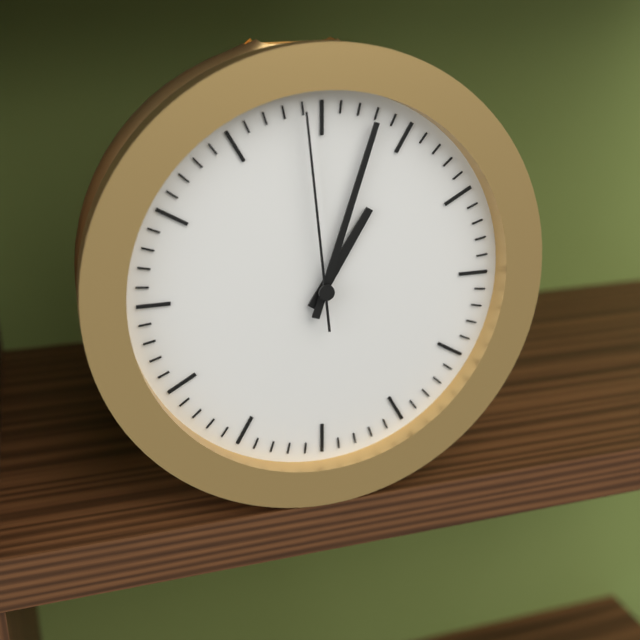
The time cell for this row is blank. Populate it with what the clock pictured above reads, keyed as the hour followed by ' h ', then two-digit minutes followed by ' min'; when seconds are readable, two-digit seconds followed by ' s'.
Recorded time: 1 h 03 min 59 s
